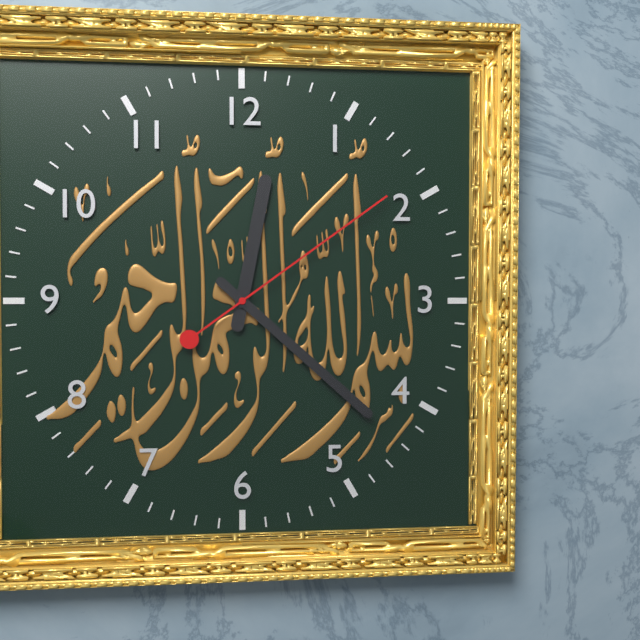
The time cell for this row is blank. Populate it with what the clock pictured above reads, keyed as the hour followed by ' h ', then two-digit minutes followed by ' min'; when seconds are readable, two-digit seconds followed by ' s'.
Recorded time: 12 h 22 min 09 s
